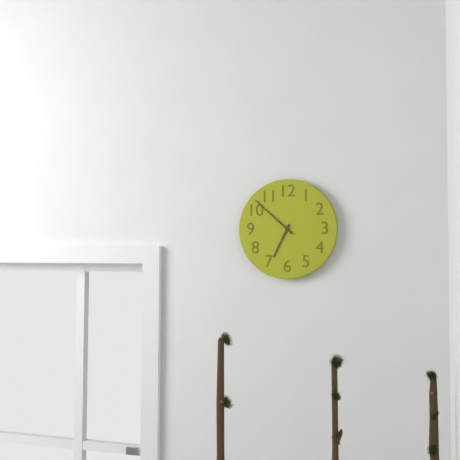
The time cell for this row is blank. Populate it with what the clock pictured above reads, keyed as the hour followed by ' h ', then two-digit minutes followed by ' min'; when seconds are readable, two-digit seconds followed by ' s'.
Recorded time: 6 h 52 min
